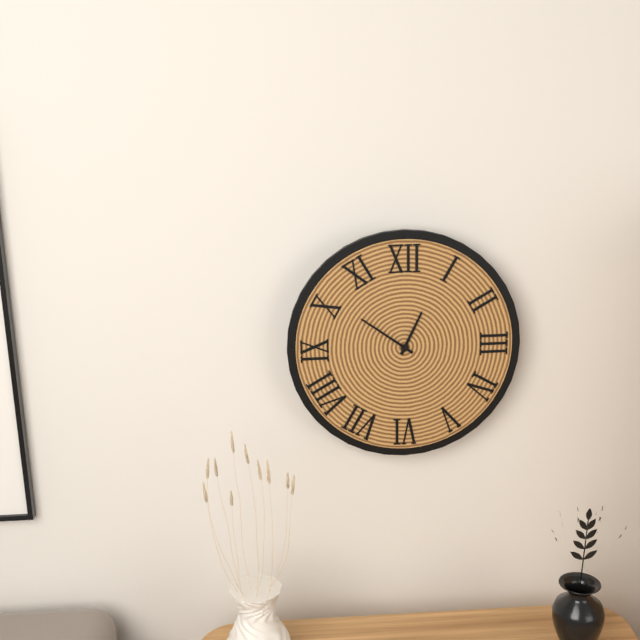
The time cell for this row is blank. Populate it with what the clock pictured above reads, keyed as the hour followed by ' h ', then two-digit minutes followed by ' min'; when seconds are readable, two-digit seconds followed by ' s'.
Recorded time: 12 h 51 min
